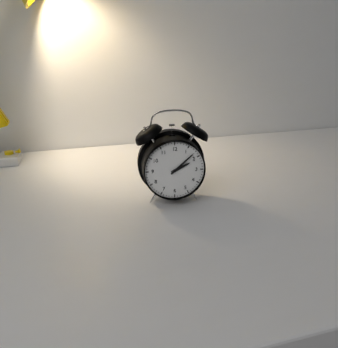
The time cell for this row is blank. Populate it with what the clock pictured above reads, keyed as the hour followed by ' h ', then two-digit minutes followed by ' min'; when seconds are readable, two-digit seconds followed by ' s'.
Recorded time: 2 h 08 min
